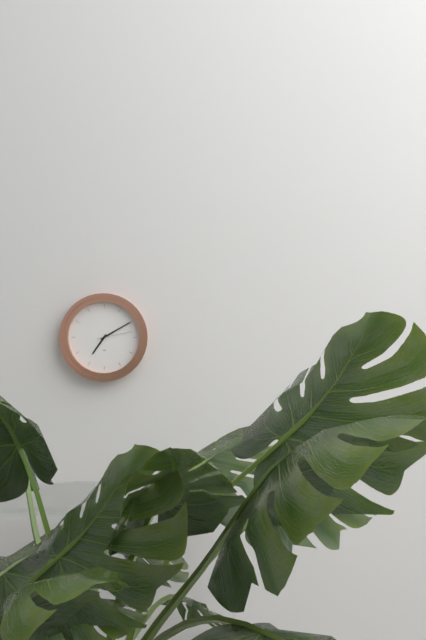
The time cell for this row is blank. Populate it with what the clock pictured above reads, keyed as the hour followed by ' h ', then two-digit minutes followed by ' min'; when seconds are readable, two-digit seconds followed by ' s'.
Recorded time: 7 h 10 min
